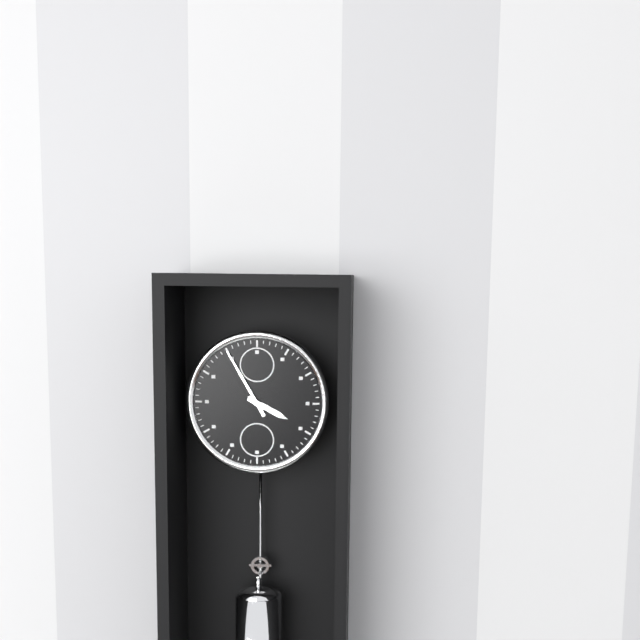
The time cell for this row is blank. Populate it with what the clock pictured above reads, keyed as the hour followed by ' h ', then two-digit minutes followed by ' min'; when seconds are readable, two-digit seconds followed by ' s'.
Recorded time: 3 h 55 min
